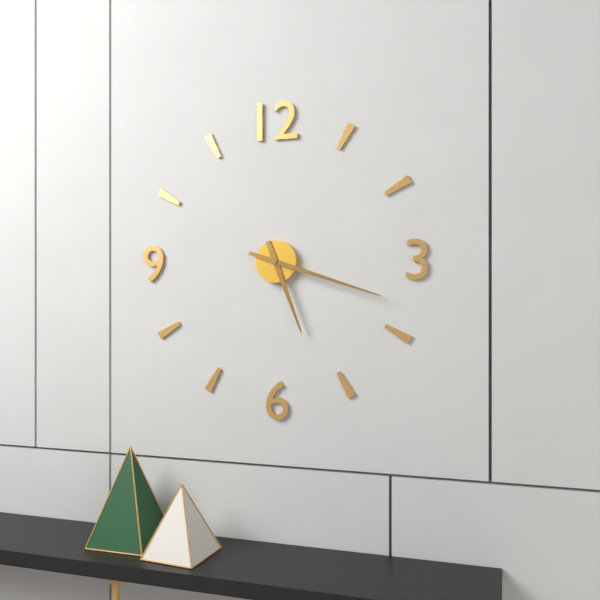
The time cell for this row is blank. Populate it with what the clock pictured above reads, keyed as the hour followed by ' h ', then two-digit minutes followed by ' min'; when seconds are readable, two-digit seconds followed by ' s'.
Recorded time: 5 h 18 min
